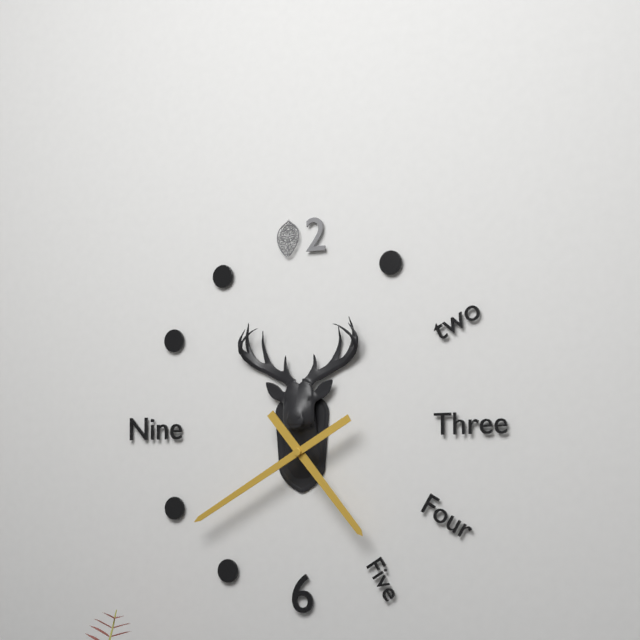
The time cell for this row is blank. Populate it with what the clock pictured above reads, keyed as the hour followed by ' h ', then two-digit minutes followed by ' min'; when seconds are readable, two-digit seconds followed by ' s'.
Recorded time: 4 h 40 min
